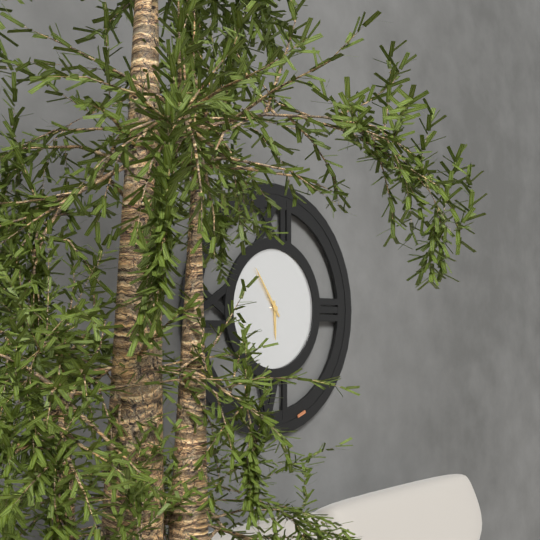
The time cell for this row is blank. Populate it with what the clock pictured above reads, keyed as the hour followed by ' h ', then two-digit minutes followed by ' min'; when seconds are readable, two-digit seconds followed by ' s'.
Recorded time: 5 h 54 min
